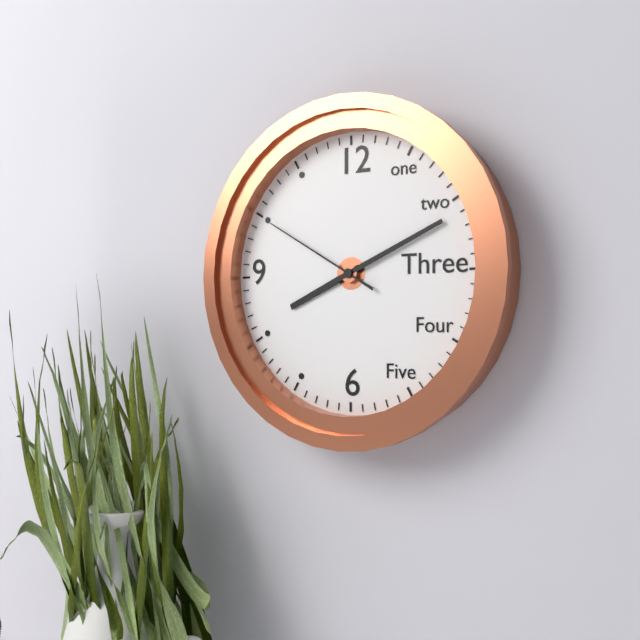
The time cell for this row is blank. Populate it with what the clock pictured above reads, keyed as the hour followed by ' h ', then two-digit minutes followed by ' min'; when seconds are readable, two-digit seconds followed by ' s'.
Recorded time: 8 h 11 min 50 s
